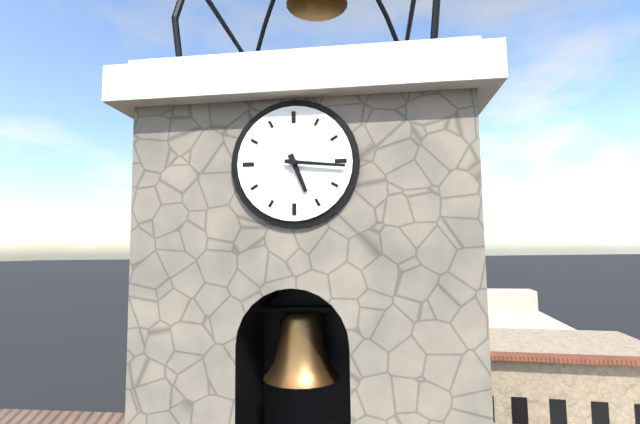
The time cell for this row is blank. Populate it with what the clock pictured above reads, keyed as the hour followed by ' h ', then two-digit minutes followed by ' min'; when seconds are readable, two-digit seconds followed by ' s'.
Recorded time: 5 h 16 min
